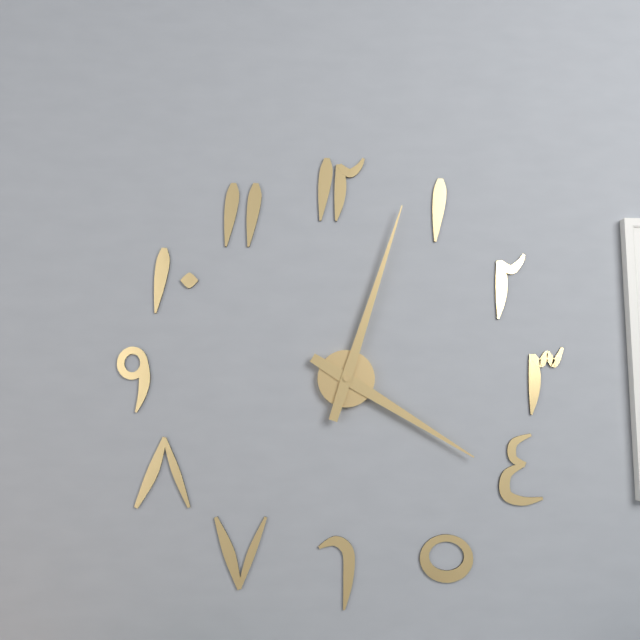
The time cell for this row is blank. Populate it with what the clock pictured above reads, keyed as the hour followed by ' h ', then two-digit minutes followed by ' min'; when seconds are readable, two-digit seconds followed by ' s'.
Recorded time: 4 h 03 min
